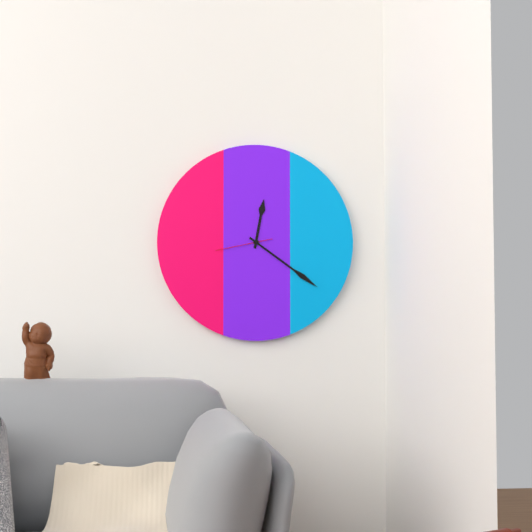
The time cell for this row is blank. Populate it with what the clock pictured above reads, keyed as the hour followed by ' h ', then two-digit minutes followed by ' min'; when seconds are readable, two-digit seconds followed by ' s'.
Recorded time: 12 h 21 min 43 s
